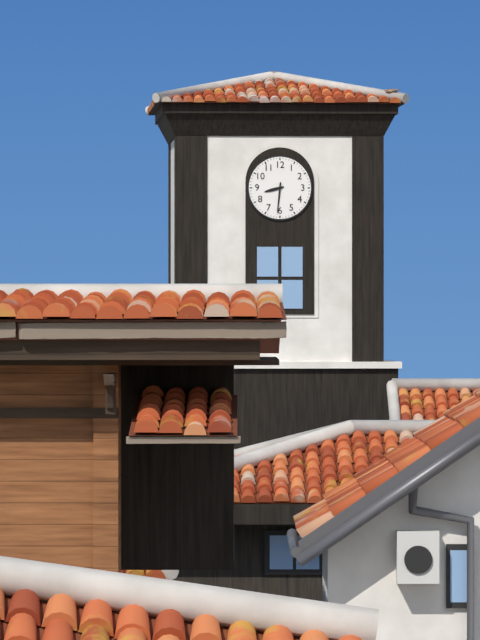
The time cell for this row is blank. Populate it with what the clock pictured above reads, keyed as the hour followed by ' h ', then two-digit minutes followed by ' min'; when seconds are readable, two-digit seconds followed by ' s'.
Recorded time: 8 h 31 min
